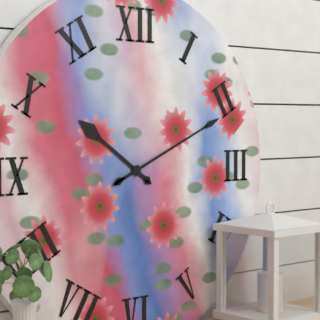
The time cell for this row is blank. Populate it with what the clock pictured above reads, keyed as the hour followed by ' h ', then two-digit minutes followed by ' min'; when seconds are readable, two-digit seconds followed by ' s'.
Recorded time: 10 h 11 min
